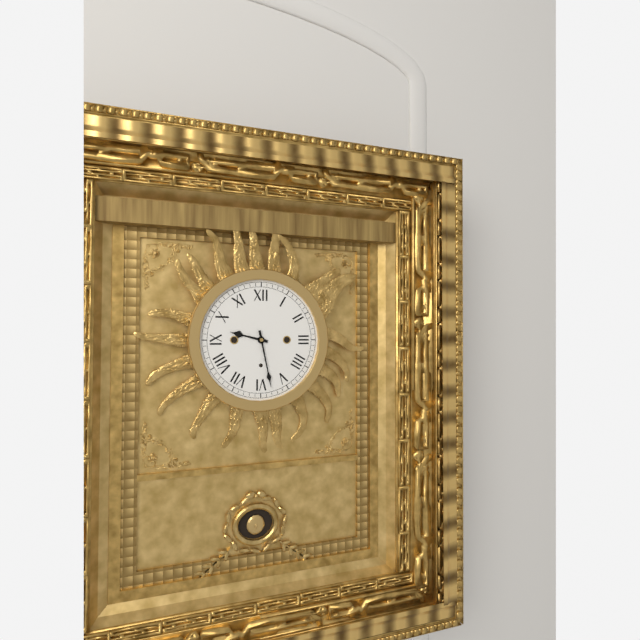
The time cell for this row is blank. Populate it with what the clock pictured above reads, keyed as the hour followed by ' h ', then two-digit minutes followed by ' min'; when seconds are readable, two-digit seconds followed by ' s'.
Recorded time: 9 h 28 min
